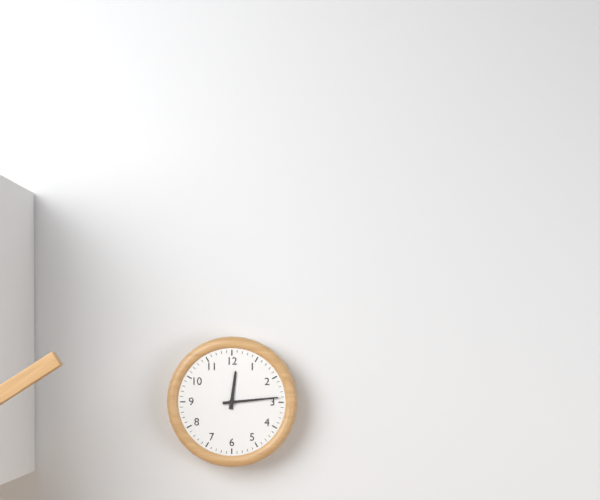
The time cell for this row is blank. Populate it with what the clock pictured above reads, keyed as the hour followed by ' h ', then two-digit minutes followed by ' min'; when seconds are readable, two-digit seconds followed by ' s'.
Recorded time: 12 h 14 min
